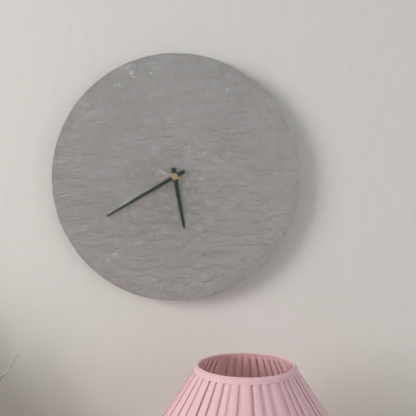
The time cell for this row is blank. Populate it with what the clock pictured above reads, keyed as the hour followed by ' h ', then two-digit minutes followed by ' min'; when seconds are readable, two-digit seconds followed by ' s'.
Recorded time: 5 h 40 min
